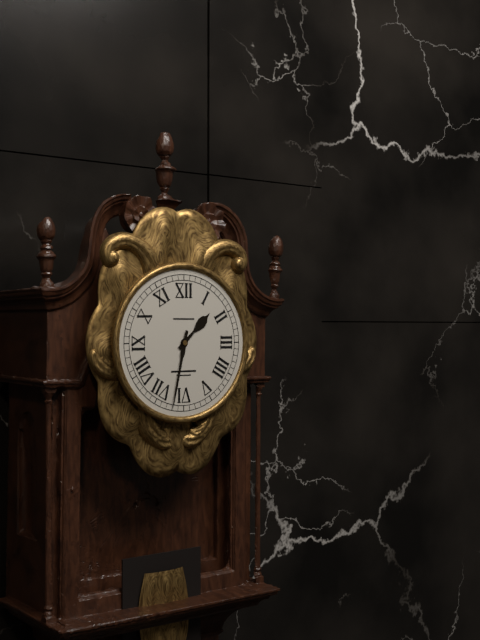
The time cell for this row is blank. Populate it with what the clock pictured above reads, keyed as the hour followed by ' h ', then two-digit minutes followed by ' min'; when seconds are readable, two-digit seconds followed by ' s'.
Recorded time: 1 h 32 min
